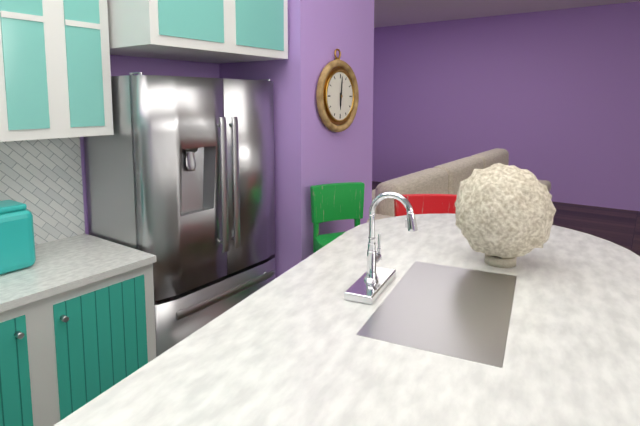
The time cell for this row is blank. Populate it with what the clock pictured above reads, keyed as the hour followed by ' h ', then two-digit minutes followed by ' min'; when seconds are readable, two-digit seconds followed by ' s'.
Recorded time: 6 h 01 min
